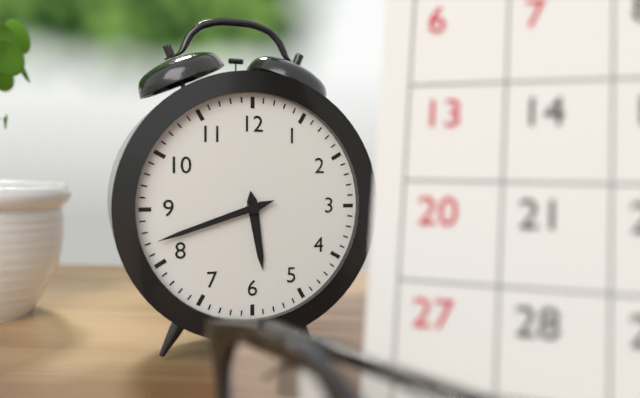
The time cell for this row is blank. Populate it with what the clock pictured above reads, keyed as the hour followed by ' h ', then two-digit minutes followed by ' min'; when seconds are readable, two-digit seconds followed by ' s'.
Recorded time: 5 h 42 min
